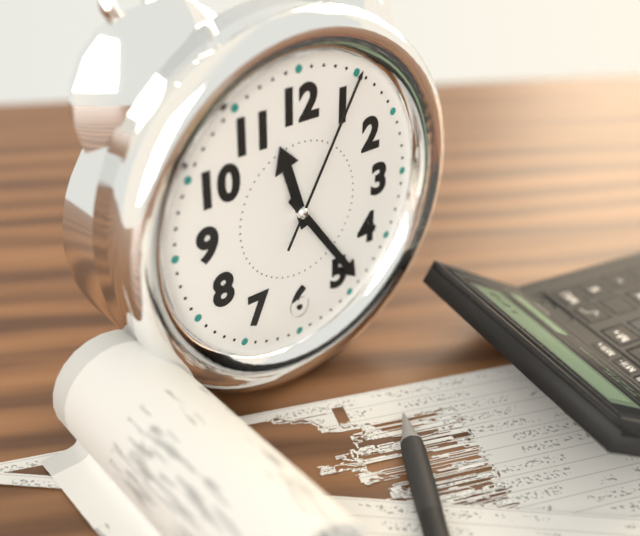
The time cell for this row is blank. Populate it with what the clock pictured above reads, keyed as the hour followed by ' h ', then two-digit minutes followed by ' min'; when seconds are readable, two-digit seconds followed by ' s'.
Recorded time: 11 h 24 min 05 s
